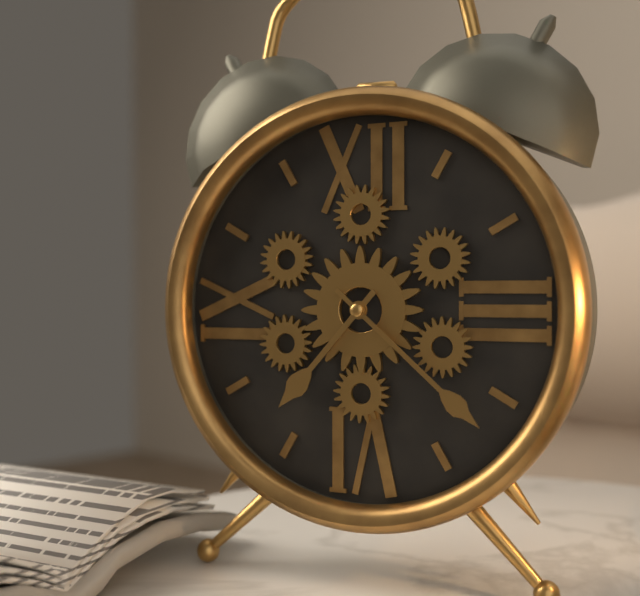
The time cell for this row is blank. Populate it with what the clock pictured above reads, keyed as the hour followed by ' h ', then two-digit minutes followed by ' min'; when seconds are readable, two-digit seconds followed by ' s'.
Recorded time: 7 h 22 min
